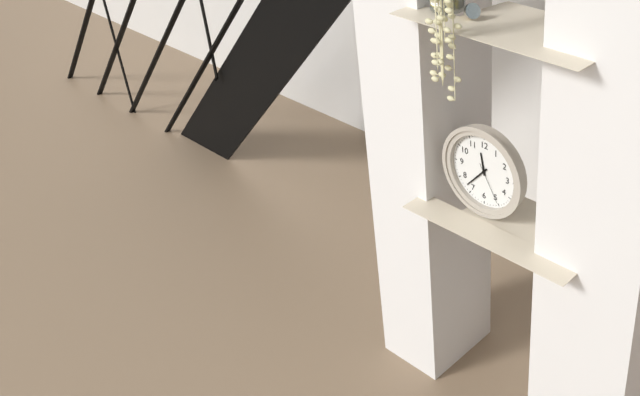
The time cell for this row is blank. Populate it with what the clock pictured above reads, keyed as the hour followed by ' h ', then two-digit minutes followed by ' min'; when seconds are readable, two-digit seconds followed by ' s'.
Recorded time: 11 h 37 min
